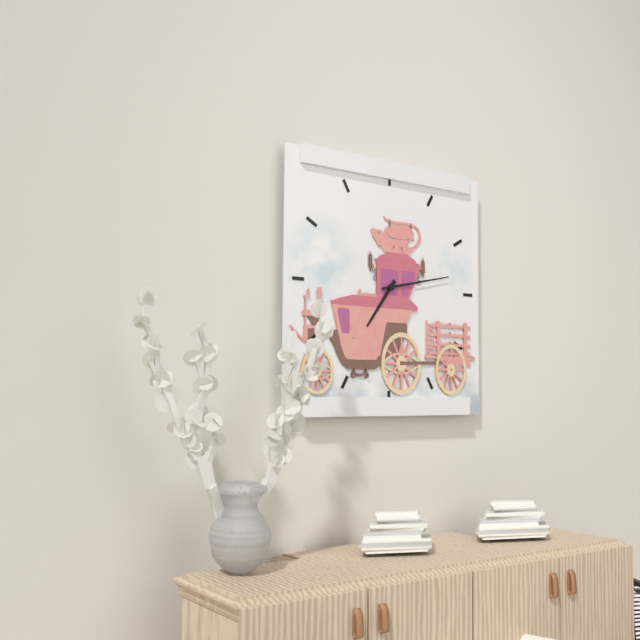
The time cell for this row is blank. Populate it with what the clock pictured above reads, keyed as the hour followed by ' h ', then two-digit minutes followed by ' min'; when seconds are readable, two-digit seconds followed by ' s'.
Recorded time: 7 h 13 min
